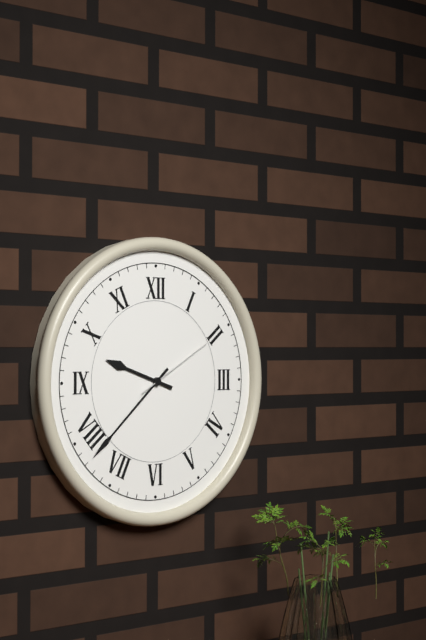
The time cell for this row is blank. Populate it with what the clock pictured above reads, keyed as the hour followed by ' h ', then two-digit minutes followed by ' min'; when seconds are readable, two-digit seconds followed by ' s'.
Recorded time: 9 h 38 min 10 s
